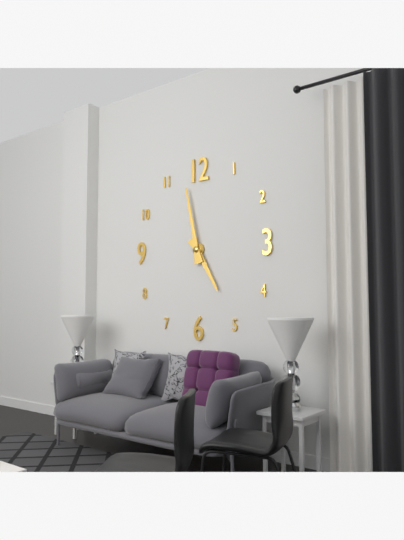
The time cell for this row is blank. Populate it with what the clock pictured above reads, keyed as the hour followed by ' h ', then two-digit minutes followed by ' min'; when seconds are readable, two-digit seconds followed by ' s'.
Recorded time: 4 h 58 min
